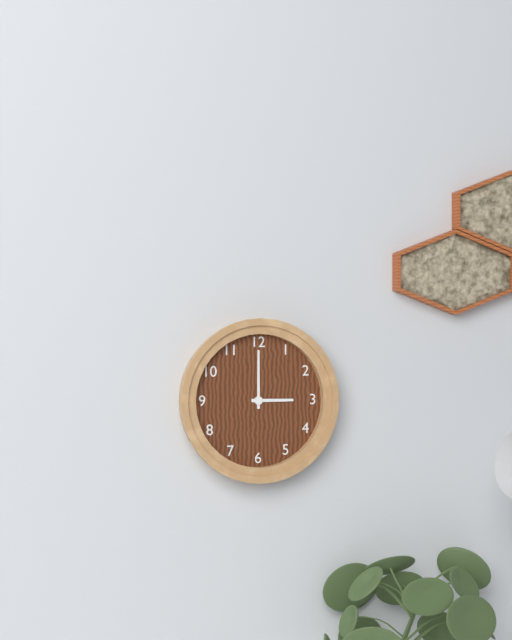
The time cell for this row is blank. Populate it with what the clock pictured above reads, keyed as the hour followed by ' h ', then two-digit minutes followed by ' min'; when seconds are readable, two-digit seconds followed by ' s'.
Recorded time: 3 h 00 min
